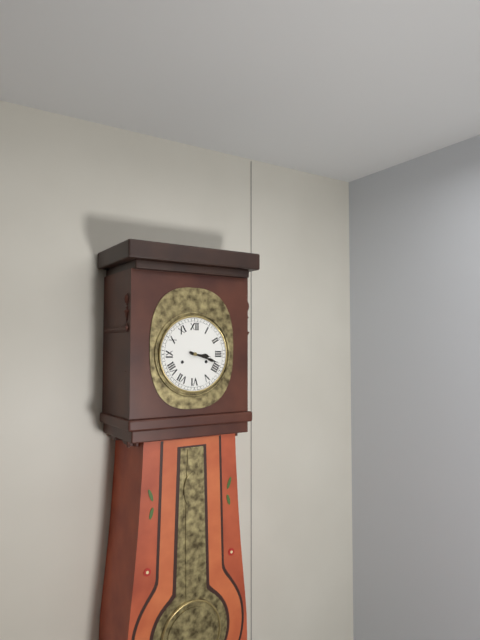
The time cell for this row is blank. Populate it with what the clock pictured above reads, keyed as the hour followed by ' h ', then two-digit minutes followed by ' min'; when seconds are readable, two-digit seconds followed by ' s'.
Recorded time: 3 h 18 min
